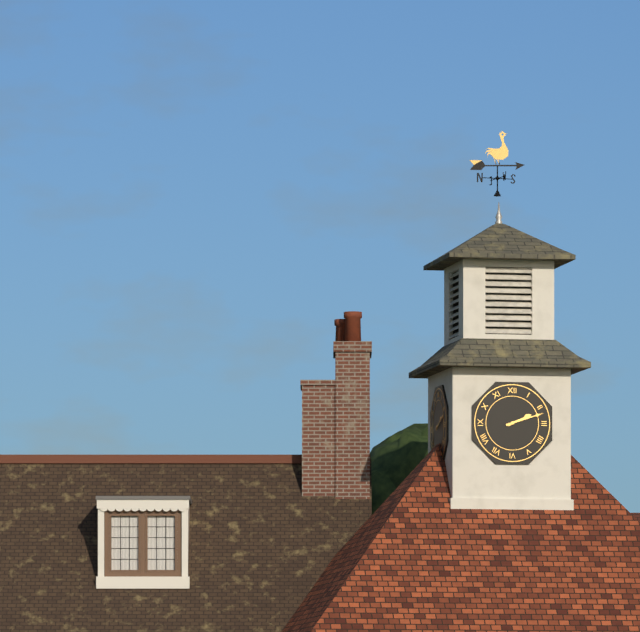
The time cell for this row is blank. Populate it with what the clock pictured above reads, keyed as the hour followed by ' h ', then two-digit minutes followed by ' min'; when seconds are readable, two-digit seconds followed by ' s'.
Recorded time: 2 h 12 min
